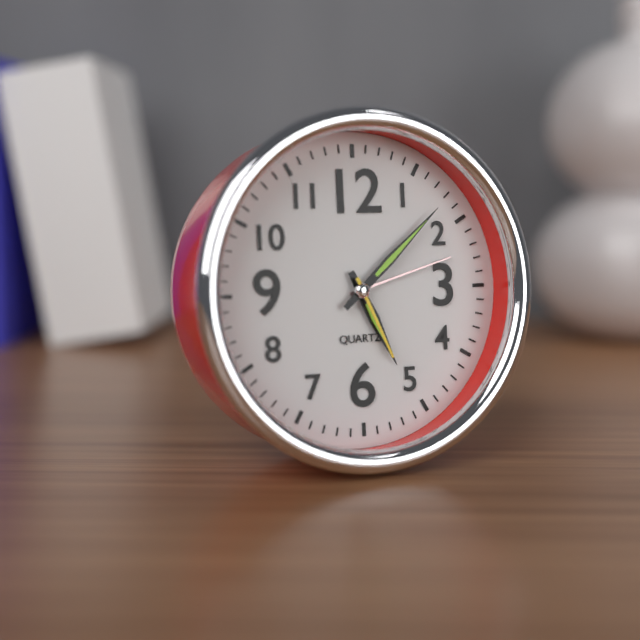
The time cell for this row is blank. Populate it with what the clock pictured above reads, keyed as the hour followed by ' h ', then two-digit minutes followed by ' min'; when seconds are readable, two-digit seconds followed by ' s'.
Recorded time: 5 h 08 min 26 s
